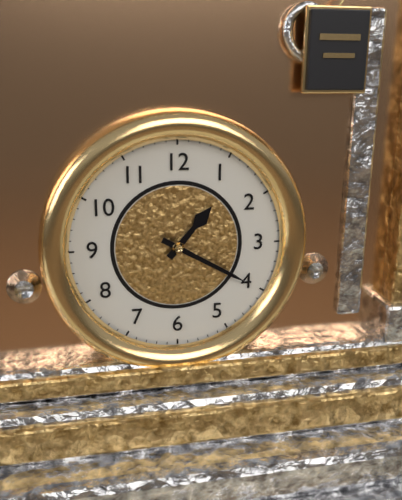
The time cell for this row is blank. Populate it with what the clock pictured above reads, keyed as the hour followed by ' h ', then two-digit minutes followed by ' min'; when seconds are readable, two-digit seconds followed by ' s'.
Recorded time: 1 h 20 min
